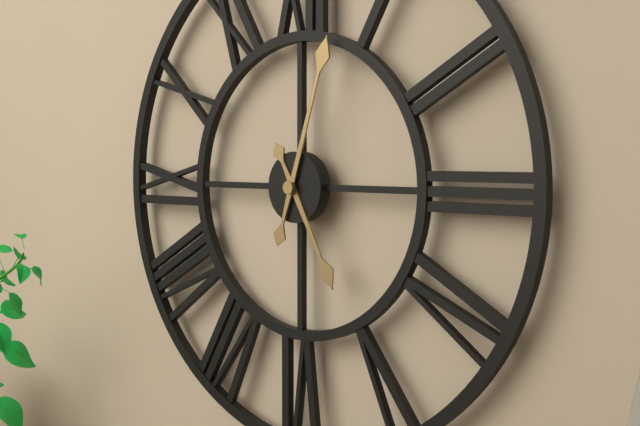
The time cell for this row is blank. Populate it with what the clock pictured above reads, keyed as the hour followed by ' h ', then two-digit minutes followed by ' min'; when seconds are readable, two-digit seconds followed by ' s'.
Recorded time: 5 h 03 min
